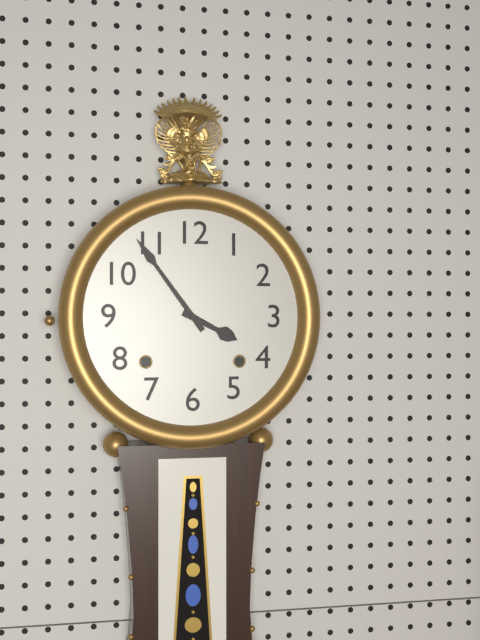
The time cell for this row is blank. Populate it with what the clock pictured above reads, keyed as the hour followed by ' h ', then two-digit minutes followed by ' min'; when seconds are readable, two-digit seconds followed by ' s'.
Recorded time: 3 h 54 min
